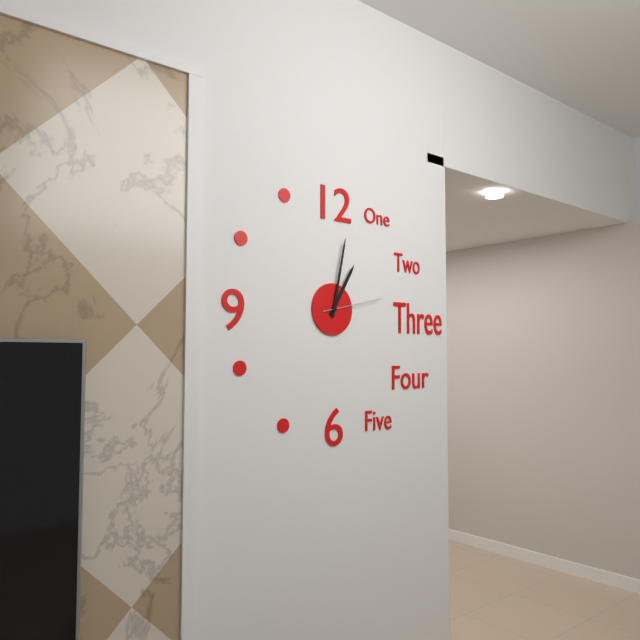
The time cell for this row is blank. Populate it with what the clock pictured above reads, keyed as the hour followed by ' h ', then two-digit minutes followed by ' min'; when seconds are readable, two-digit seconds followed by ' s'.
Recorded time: 1 h 02 min 13 s
